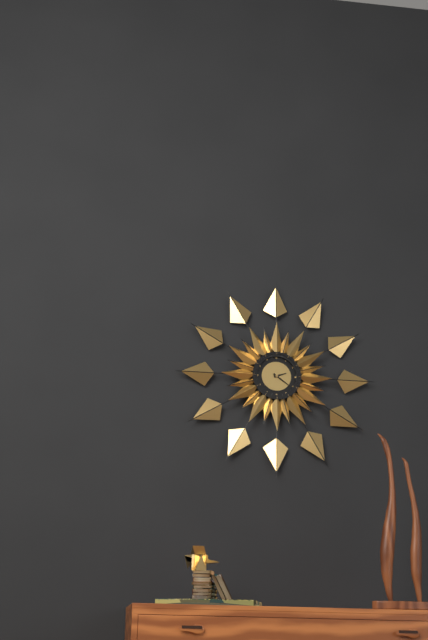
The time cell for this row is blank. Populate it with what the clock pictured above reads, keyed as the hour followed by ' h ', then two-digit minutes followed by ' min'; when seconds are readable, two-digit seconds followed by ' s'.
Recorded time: 2 h 21 min
